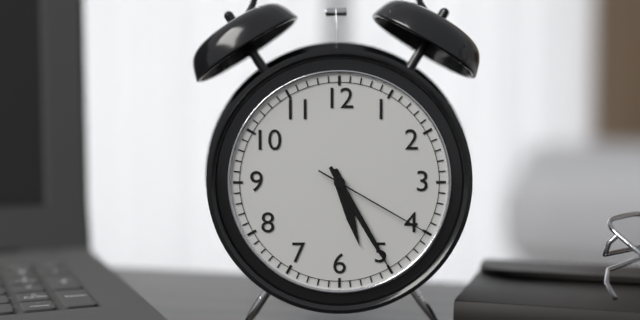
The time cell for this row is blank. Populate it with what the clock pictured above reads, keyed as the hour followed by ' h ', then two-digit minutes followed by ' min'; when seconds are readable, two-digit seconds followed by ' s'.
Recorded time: 5 h 25 min 20 s
